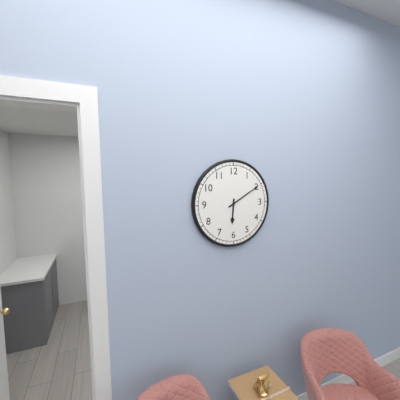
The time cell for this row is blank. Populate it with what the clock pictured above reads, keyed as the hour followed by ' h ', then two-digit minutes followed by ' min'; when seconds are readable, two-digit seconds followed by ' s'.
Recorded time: 6 h 10 min
